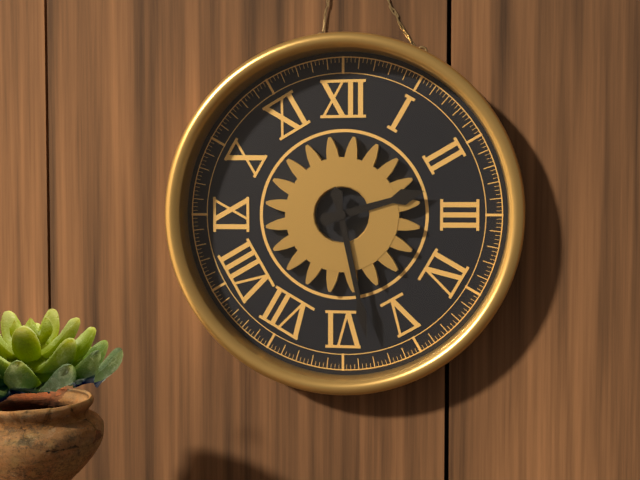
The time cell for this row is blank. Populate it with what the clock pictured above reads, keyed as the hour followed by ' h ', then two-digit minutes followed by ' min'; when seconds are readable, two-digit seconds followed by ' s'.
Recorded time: 2 h 28 min
